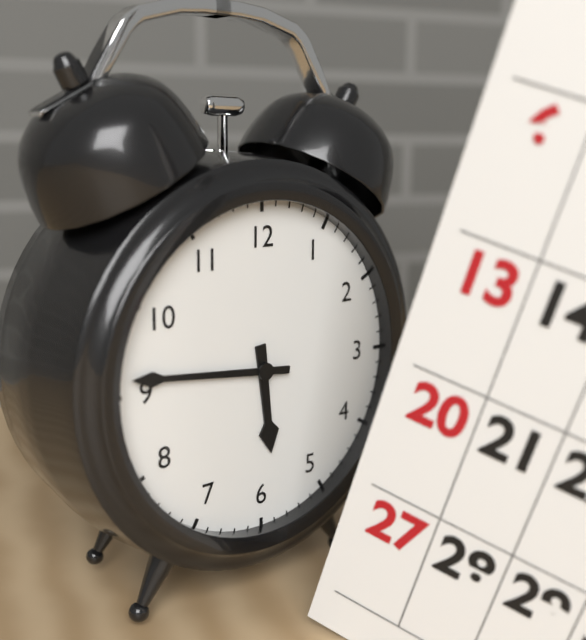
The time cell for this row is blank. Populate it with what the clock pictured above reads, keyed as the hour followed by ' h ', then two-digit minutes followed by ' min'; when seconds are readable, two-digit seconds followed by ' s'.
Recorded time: 5 h 46 min
